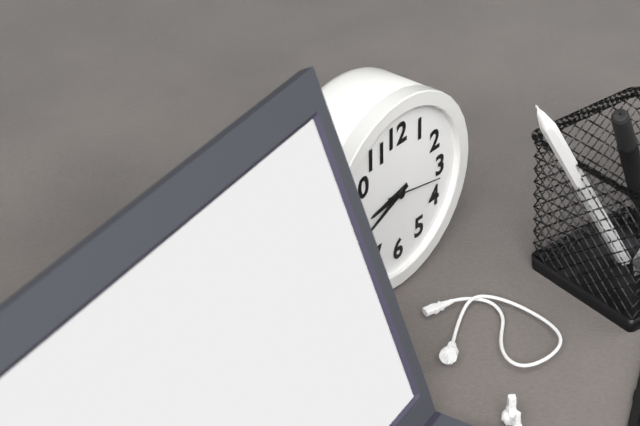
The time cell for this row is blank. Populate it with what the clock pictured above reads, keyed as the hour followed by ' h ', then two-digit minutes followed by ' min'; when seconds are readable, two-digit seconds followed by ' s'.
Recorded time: 8 h 41 min 17 s
